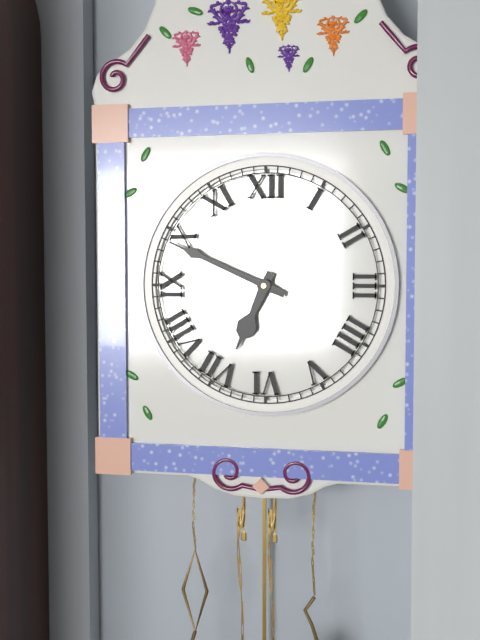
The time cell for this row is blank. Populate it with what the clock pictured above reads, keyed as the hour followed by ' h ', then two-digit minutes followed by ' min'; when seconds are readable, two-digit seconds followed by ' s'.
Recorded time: 6 h 49 min
